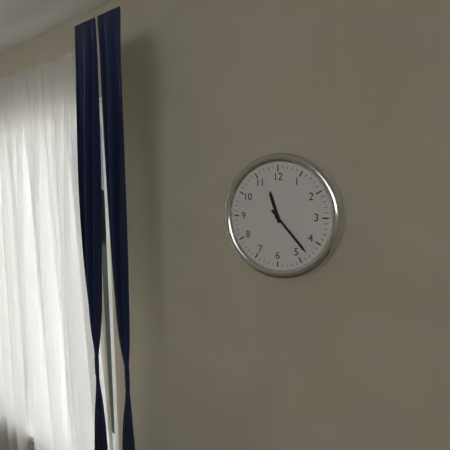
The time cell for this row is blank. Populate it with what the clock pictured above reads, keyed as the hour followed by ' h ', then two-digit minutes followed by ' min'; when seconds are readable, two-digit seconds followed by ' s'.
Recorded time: 11 h 23 min
